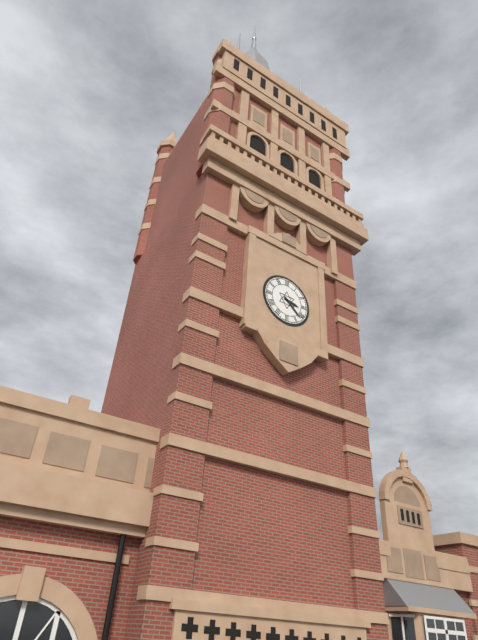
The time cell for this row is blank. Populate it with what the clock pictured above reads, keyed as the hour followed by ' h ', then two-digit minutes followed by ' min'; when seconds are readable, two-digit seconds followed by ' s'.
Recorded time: 3 h 22 min
